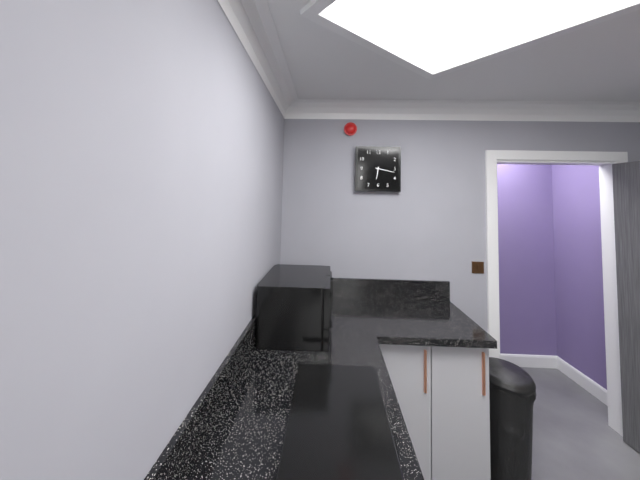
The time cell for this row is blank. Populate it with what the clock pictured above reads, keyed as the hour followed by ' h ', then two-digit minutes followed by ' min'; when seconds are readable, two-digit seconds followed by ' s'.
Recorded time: 6 h 17 min
